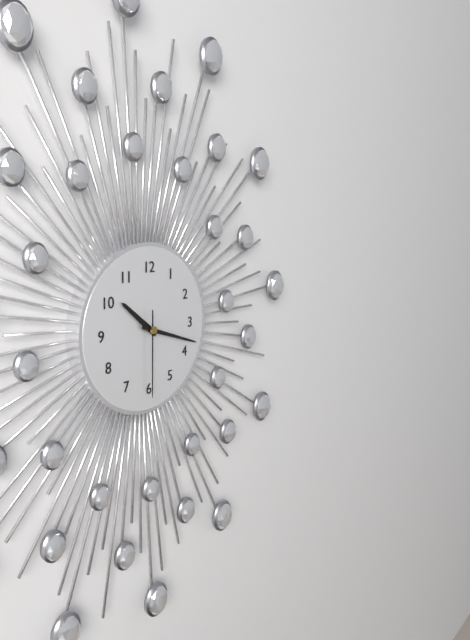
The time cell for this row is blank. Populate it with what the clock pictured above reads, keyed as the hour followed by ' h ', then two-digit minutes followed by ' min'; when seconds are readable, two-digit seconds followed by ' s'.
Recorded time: 10 h 18 min 30 s
